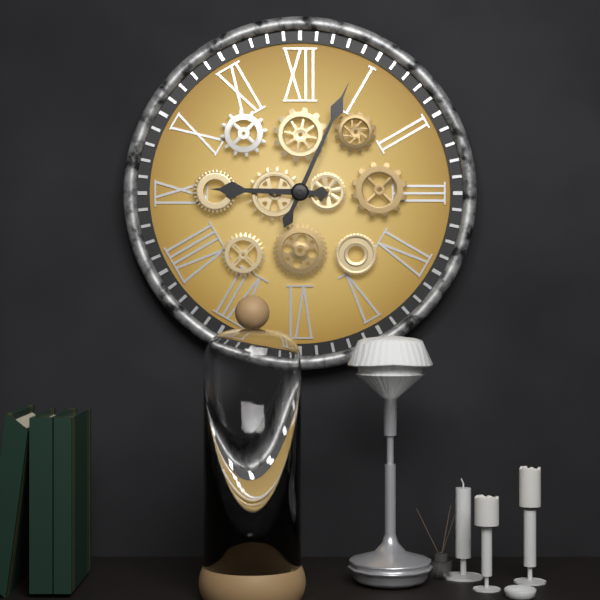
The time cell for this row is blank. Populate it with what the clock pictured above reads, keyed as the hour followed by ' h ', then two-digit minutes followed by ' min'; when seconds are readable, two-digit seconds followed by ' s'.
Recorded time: 9 h 04 min
